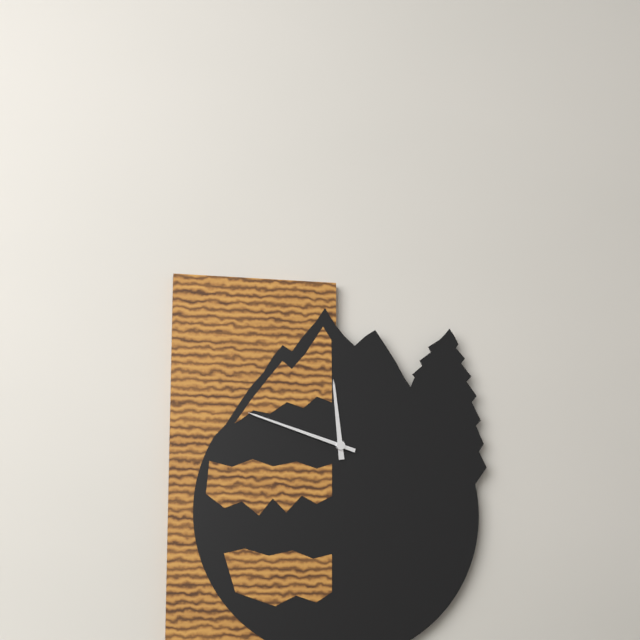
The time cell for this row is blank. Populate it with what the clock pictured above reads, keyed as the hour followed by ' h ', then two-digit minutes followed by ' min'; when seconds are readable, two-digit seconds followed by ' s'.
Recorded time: 11 h 48 min
